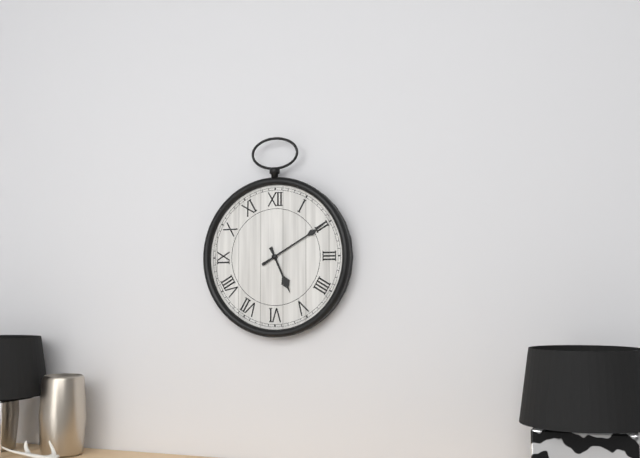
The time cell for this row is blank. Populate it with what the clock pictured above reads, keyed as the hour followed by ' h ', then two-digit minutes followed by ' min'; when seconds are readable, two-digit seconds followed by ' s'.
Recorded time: 5 h 10 min
